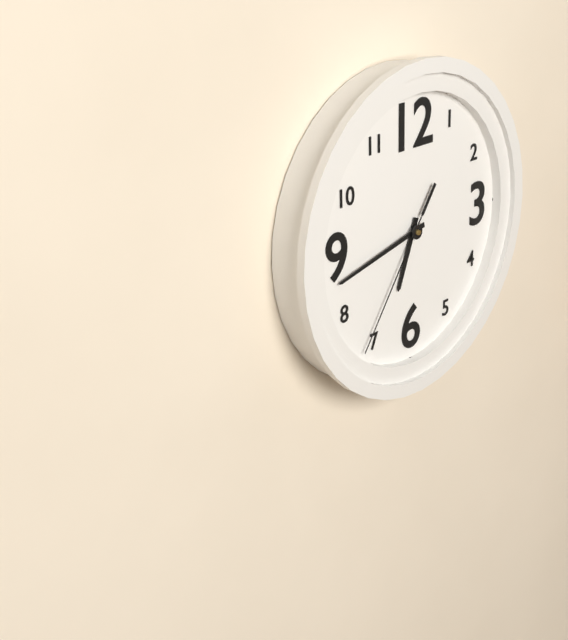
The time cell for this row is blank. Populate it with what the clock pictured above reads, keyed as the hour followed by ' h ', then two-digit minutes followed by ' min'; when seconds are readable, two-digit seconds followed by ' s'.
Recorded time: 6 h 43 min 36 s
